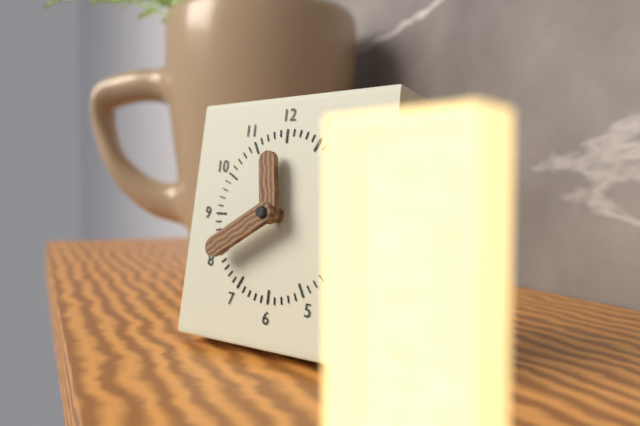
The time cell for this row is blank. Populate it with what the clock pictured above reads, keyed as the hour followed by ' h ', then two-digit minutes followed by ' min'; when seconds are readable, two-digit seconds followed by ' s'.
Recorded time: 11 h 40 min
